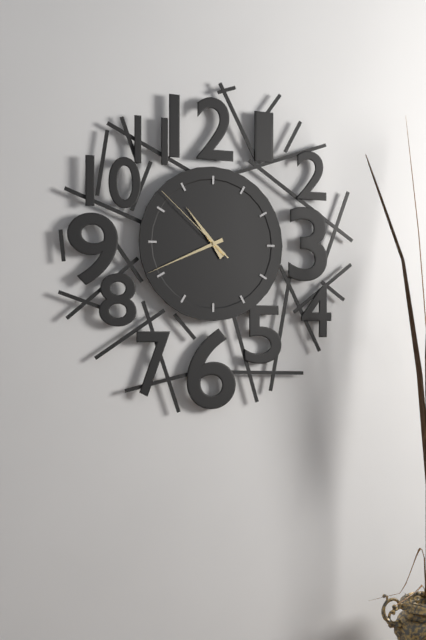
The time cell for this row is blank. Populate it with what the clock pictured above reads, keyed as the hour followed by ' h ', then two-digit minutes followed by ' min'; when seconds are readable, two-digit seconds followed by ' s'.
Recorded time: 10 h 41 min 52 s
